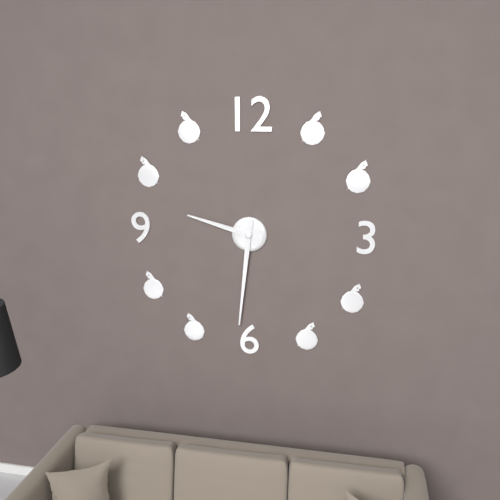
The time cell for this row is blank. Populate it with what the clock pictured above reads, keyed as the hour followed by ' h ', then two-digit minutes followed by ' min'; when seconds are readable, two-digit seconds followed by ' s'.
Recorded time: 9 h 31 min
